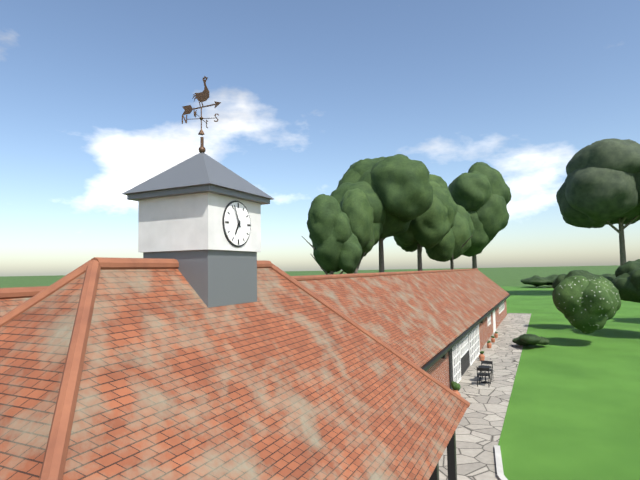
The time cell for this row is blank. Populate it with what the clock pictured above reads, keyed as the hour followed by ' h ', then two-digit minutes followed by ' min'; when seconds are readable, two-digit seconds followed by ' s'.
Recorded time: 6 h 56 min
